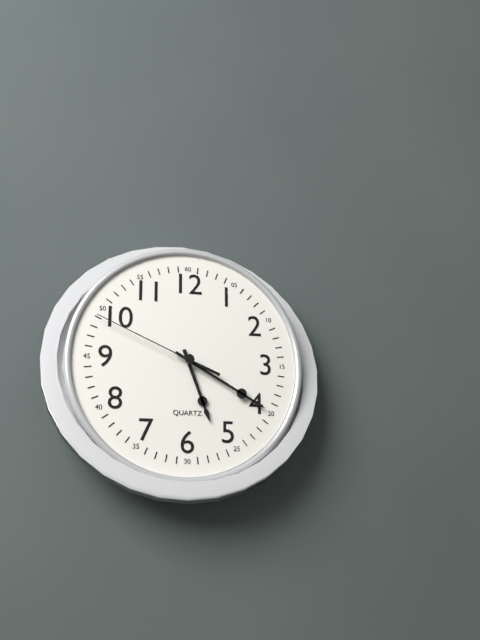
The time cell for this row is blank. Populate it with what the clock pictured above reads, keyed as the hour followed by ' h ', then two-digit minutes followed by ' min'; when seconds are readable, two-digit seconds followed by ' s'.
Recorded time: 5 h 20 min 49 s
